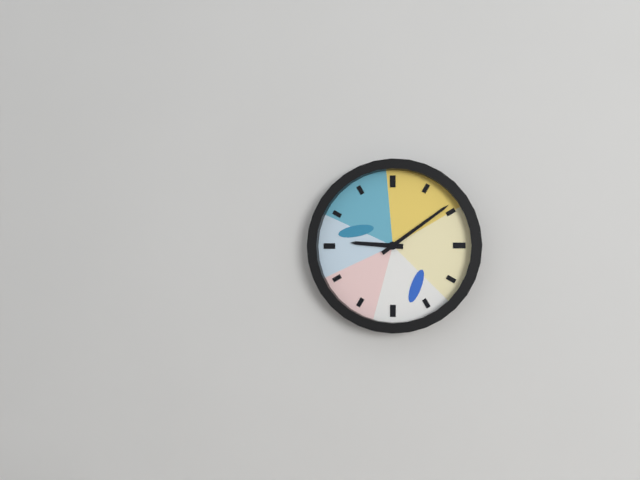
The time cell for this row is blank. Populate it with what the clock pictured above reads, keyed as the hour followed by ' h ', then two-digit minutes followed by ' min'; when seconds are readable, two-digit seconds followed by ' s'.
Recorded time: 9 h 09 min
